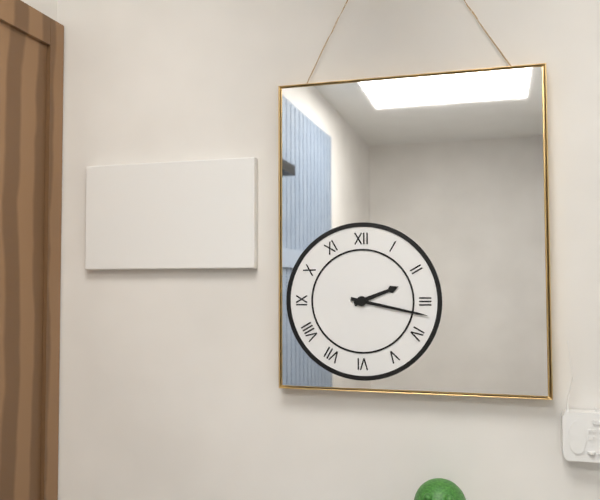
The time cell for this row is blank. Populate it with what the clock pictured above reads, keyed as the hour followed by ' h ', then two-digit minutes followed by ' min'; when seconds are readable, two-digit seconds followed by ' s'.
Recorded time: 2 h 17 min
